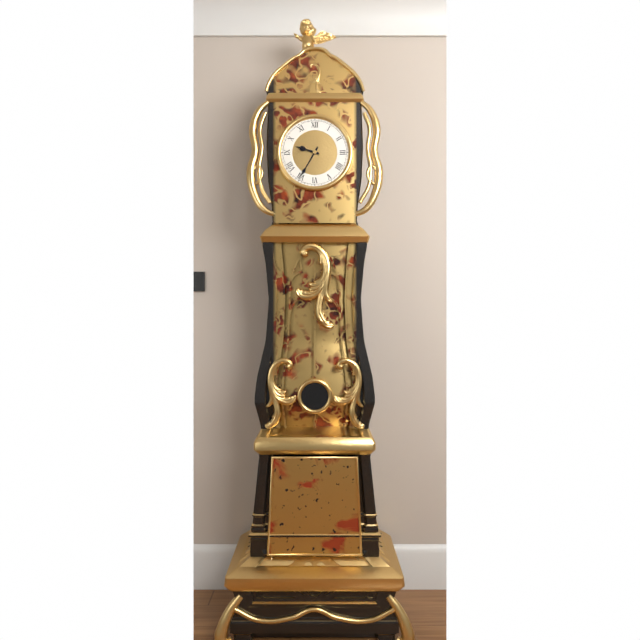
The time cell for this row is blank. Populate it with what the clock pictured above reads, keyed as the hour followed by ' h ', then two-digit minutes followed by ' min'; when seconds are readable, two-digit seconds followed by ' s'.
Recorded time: 9 h 35 min
